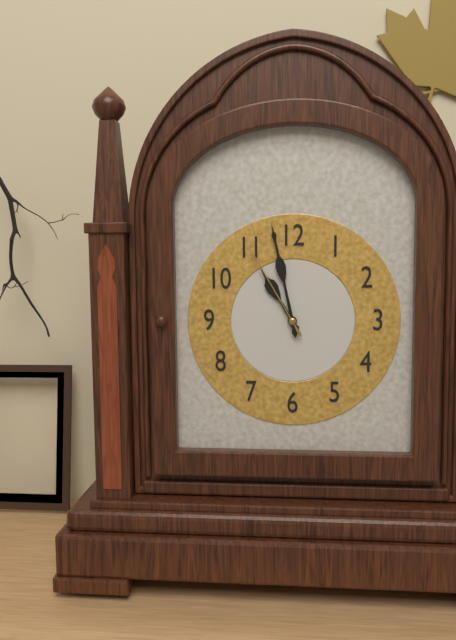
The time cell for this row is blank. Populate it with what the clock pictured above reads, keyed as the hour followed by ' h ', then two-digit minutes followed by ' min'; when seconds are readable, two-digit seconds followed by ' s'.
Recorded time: 10 h 58 min 55 s
